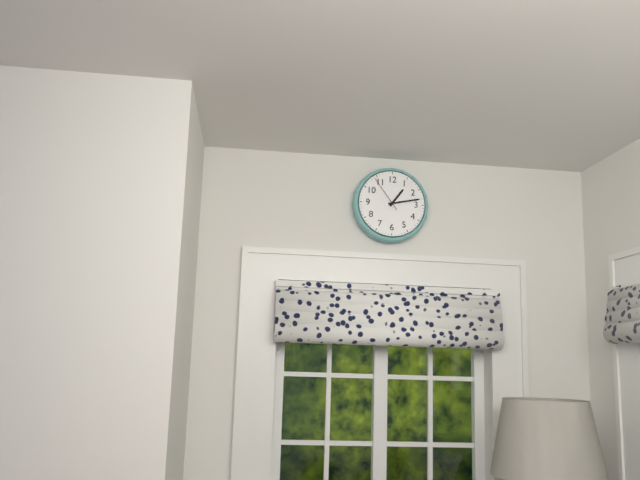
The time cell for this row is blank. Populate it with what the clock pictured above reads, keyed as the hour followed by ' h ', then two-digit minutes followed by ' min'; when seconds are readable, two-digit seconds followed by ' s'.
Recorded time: 1 h 13 min
